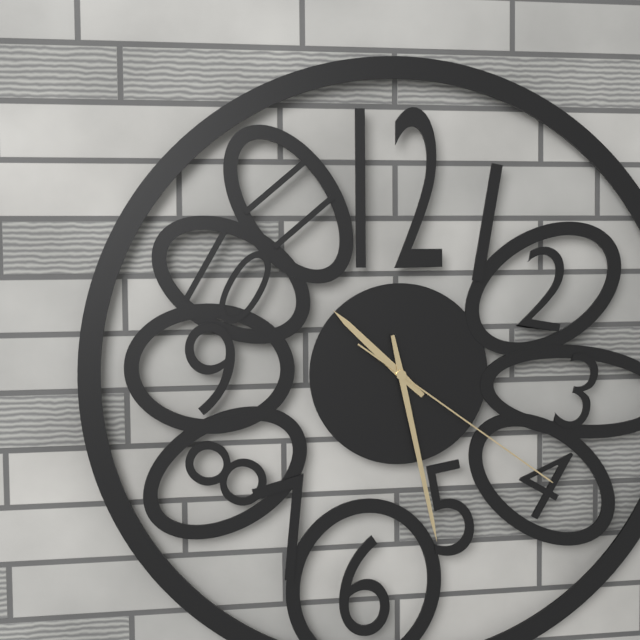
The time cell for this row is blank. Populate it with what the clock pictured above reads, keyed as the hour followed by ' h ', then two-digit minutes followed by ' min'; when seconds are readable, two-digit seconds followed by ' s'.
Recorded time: 10 h 28 min 21 s
